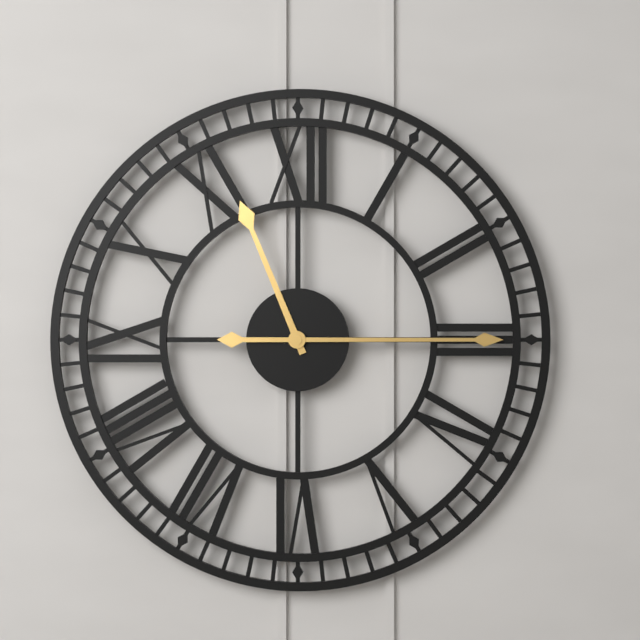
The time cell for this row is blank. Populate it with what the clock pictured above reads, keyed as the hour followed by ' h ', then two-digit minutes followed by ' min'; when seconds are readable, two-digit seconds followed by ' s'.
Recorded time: 11 h 15 min
